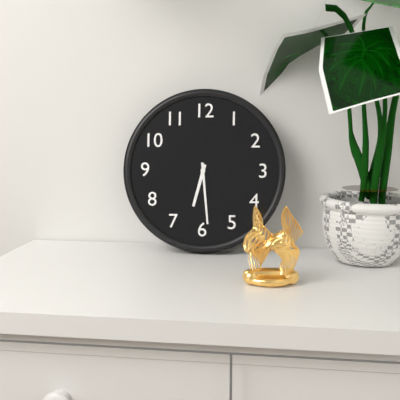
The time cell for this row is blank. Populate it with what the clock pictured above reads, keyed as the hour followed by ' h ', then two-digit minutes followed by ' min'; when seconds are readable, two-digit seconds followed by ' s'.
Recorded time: 6 h 29 min
